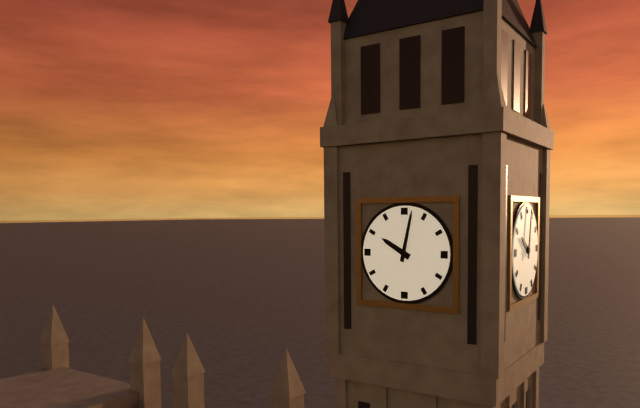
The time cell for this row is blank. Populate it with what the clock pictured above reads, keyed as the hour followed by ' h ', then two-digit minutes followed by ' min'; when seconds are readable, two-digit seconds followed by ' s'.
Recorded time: 10 h 02 min
